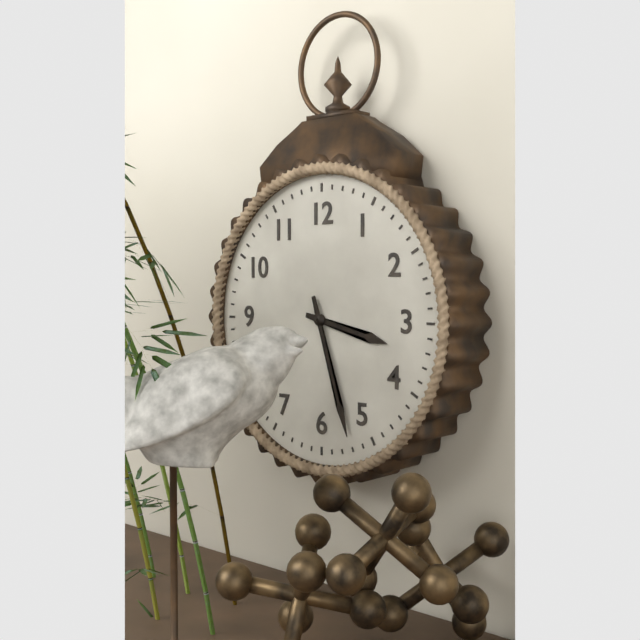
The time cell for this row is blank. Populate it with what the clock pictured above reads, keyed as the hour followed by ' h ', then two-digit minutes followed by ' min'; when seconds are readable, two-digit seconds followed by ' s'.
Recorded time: 3 h 27 min
